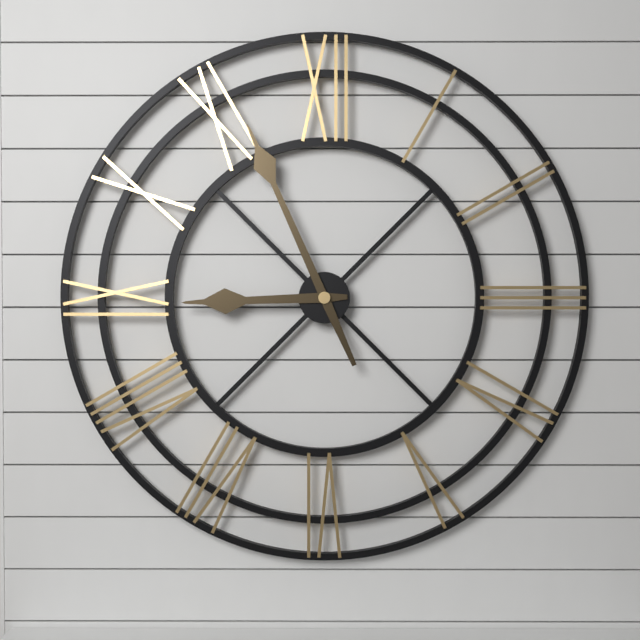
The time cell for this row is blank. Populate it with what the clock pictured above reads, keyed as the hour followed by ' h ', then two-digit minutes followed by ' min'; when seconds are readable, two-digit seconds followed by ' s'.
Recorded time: 8 h 56 min
